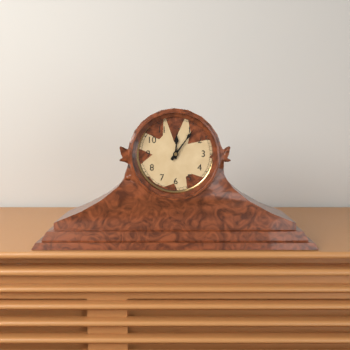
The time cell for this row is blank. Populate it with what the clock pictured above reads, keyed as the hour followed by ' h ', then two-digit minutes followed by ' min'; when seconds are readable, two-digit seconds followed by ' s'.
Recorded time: 12 h 06 min
